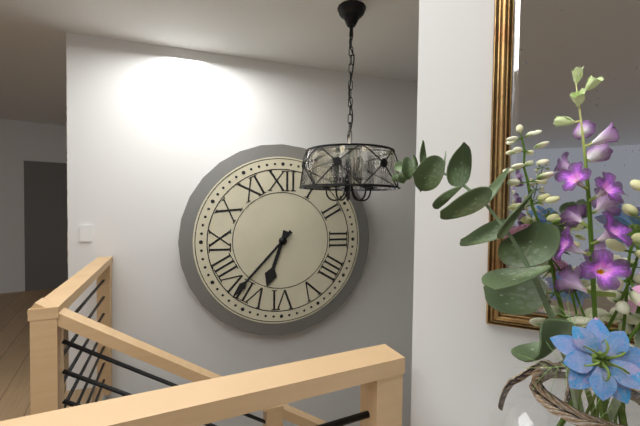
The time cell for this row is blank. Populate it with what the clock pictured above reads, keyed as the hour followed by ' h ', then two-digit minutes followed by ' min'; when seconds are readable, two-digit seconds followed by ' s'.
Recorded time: 6 h 37 min
